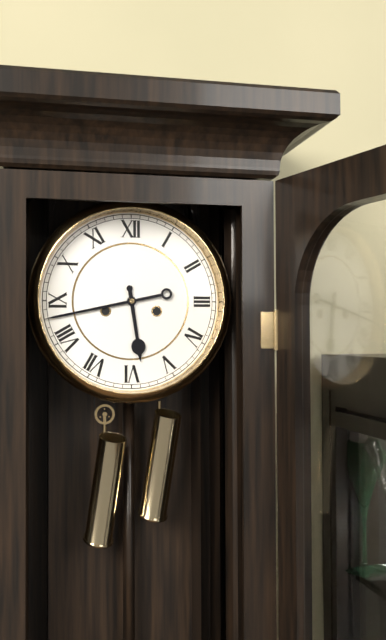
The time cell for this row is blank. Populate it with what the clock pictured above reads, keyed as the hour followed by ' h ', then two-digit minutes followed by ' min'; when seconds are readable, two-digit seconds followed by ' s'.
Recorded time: 5 h 43 min
